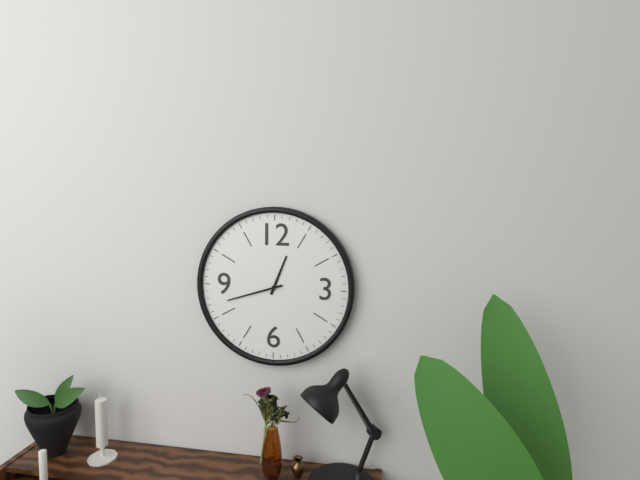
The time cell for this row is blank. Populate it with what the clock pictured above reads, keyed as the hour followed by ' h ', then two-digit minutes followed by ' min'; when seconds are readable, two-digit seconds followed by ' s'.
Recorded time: 12 h 42 min
